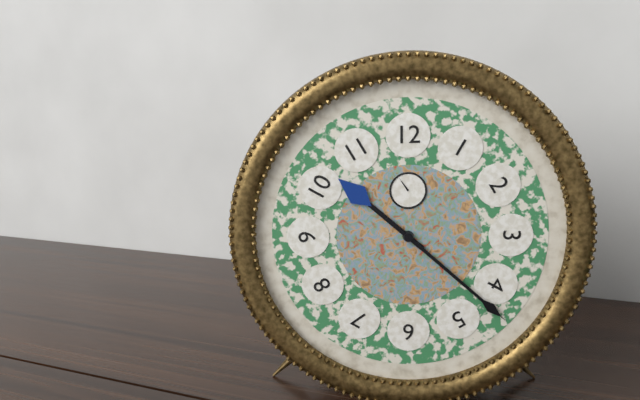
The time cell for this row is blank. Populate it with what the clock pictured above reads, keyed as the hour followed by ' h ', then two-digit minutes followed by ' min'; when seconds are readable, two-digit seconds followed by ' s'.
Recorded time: 10 h 22 min
